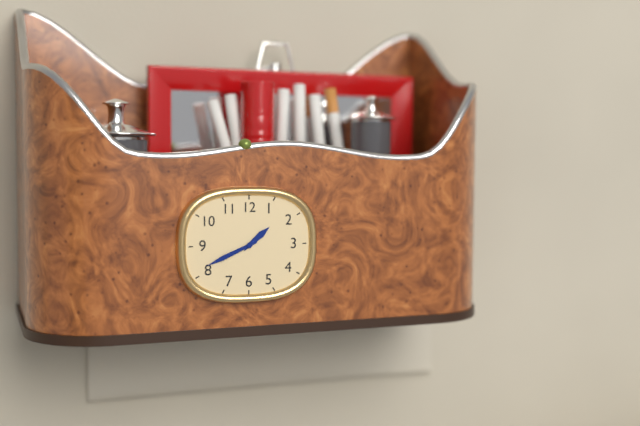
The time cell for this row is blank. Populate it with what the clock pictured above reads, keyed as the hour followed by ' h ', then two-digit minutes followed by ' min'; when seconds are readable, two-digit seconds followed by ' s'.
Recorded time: 1 h 41 min
